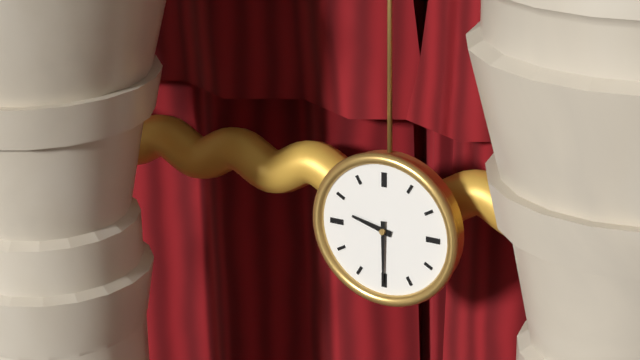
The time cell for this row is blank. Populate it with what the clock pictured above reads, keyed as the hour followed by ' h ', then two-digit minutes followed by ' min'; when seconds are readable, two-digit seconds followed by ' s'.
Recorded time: 9 h 30 min
